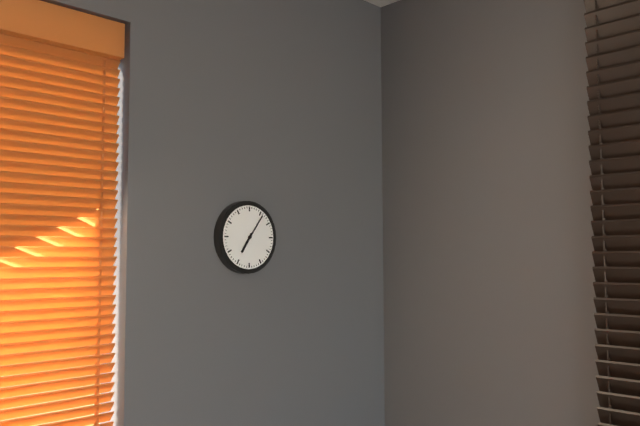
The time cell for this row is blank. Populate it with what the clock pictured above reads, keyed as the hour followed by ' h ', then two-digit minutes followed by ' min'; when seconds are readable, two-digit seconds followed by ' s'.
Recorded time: 7 h 06 min
